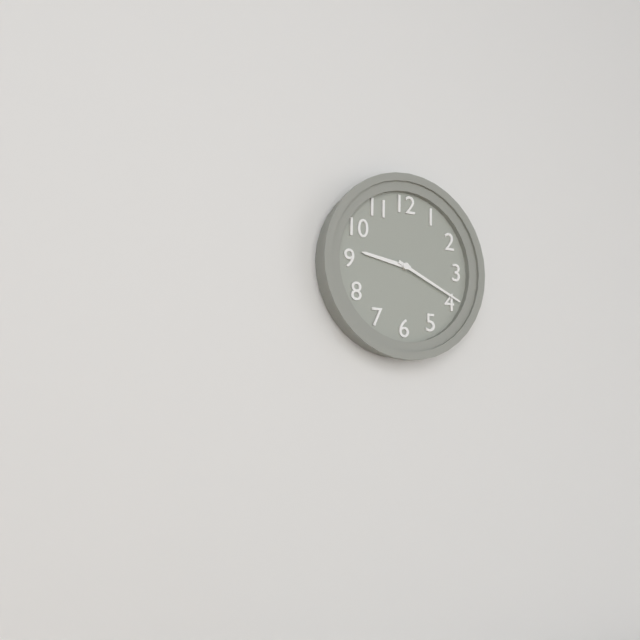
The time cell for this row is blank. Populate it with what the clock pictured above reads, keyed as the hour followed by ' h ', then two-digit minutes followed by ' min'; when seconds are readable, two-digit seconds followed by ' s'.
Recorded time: 9 h 19 min
